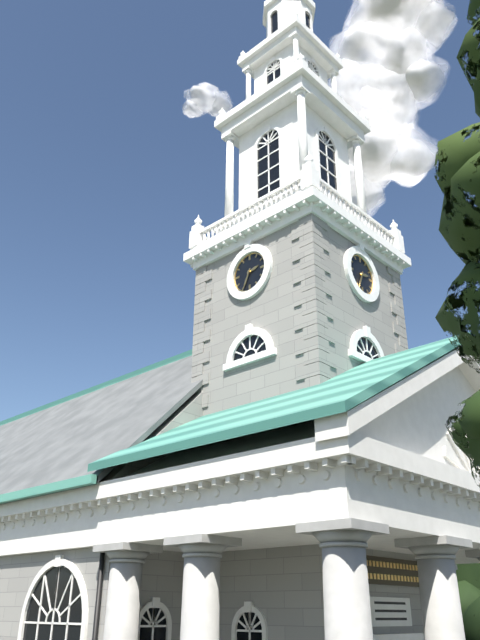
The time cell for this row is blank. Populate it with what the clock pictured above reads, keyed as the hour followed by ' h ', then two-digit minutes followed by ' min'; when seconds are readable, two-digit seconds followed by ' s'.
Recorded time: 2 h 34 min
